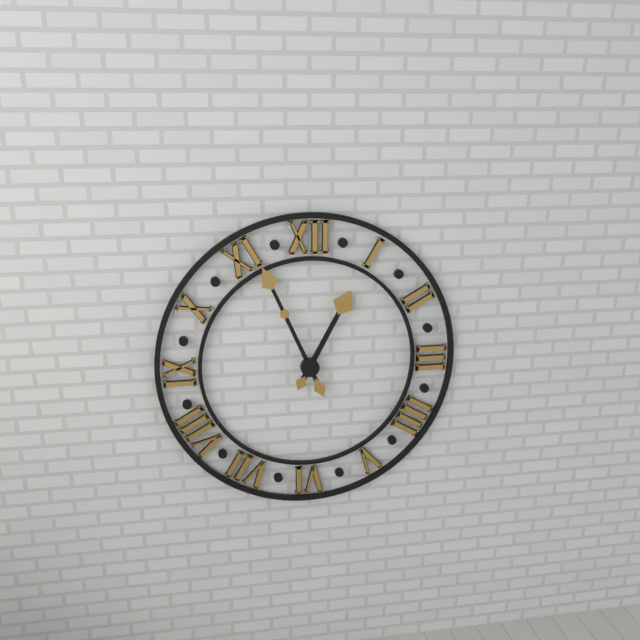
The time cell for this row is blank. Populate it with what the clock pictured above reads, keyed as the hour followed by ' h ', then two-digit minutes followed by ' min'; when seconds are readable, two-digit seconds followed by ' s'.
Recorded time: 12 h 56 min
